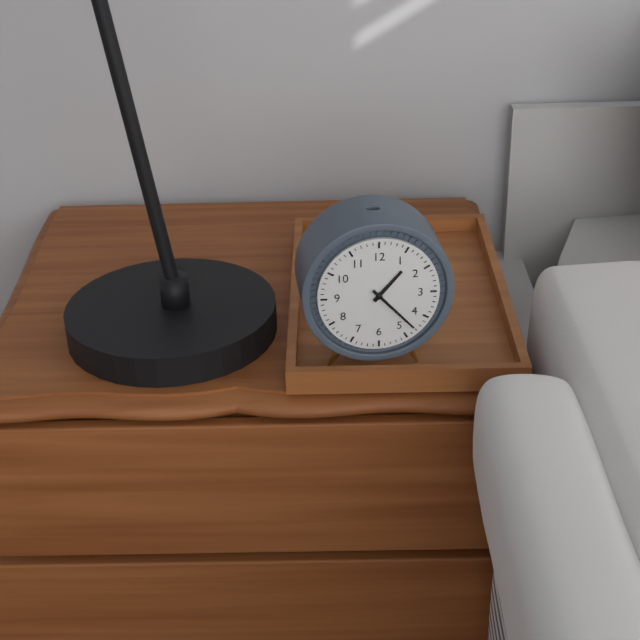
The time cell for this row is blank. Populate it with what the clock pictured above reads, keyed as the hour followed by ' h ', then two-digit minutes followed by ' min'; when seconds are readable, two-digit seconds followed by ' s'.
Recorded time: 1 h 23 min
